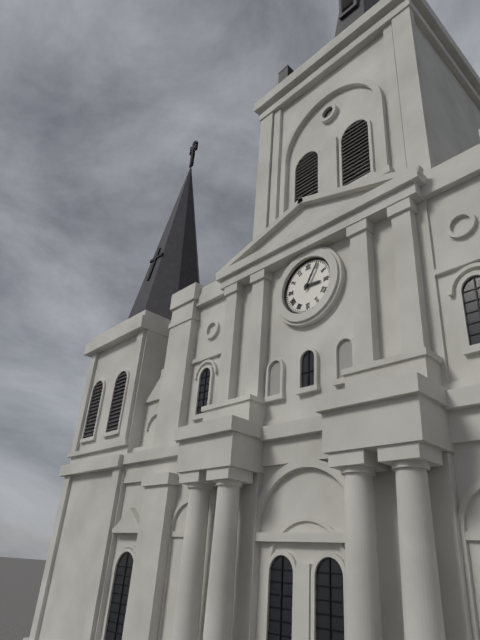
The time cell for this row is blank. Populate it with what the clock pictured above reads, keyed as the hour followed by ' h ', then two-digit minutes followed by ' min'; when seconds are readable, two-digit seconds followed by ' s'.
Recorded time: 3 h 05 min
